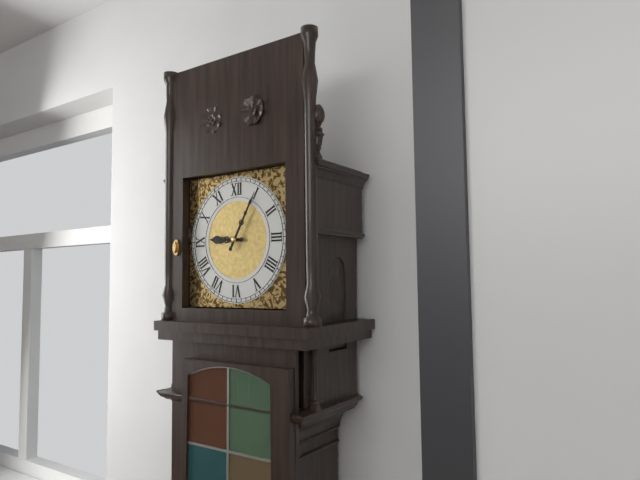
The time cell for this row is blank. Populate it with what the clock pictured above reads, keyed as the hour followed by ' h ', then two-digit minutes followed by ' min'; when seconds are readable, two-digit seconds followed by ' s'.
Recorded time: 9 h 05 min
